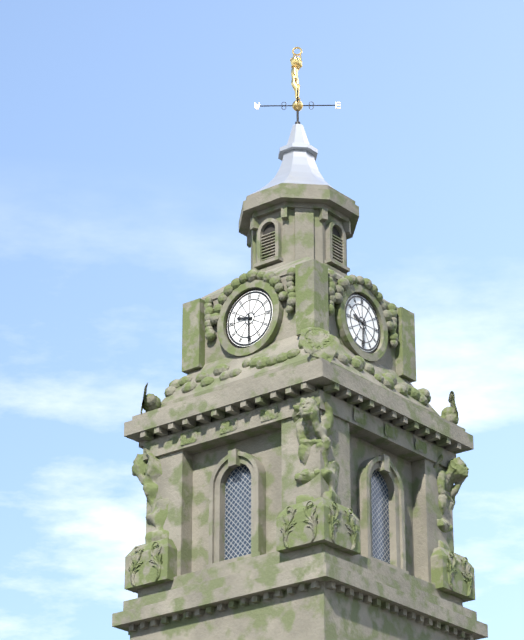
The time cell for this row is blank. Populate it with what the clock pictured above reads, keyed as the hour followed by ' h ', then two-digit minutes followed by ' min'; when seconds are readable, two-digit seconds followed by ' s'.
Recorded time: 9 h 30 min
